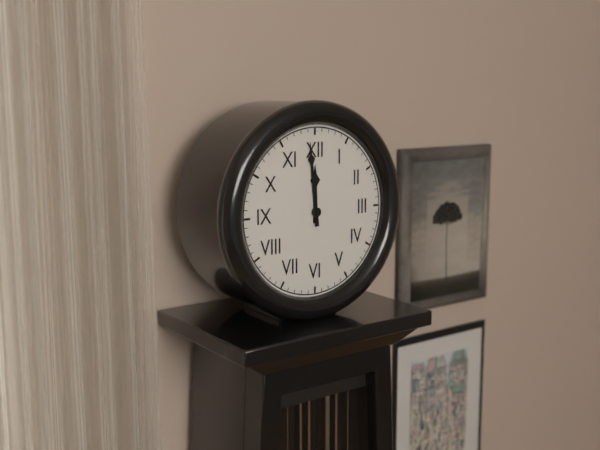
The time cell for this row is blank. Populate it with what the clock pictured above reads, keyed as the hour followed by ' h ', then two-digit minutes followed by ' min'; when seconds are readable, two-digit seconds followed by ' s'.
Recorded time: 11 h 59 min
